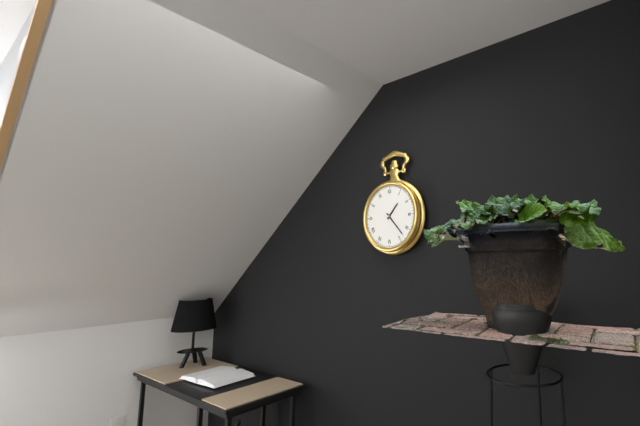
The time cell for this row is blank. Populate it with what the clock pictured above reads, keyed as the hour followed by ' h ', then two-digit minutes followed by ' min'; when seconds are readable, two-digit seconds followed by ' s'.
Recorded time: 1 h 23 min
